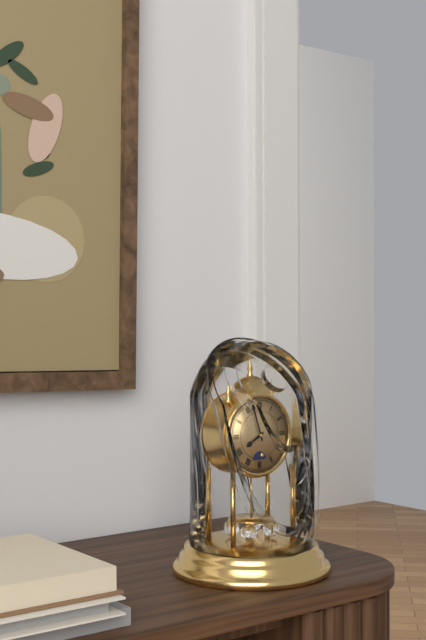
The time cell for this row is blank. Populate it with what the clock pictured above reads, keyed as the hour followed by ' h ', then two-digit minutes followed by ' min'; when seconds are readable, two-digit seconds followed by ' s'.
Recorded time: 7 h 57 min
